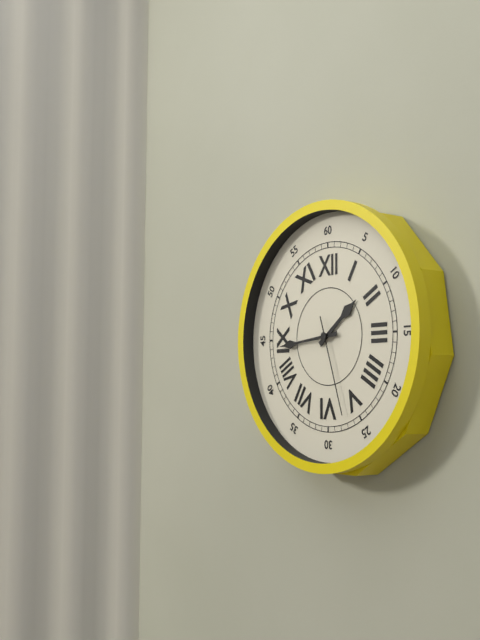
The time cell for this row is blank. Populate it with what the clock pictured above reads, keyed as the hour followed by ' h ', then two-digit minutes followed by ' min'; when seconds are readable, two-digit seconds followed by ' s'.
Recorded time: 1 h 44 min 27 s
